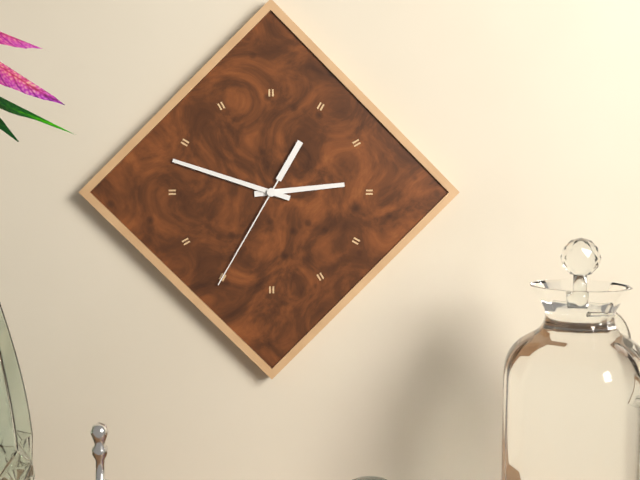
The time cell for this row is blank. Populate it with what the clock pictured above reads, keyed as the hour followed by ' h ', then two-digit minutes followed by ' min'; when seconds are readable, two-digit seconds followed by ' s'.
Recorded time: 2 h 48 min 35 s
